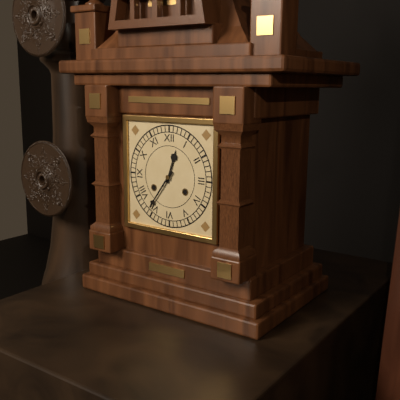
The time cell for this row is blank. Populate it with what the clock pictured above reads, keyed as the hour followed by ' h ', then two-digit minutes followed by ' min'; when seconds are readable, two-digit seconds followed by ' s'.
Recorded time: 12 h 36 min
